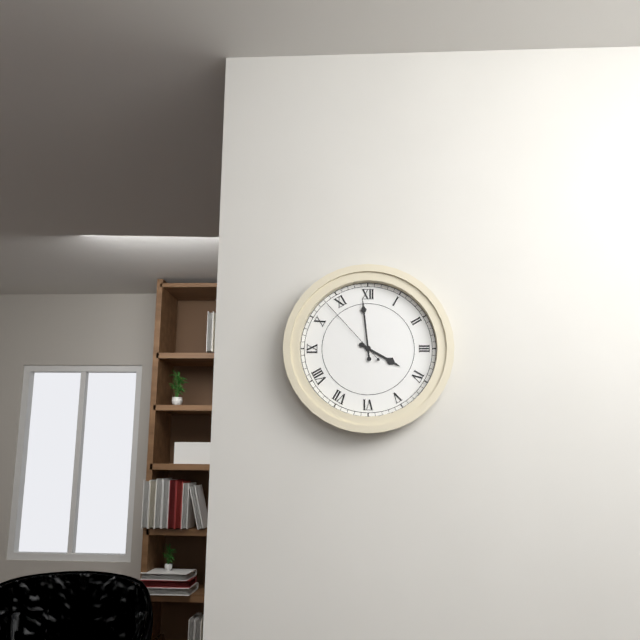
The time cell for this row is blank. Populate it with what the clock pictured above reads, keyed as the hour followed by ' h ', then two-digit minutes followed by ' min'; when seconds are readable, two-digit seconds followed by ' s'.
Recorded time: 3 h 59 min 53 s
